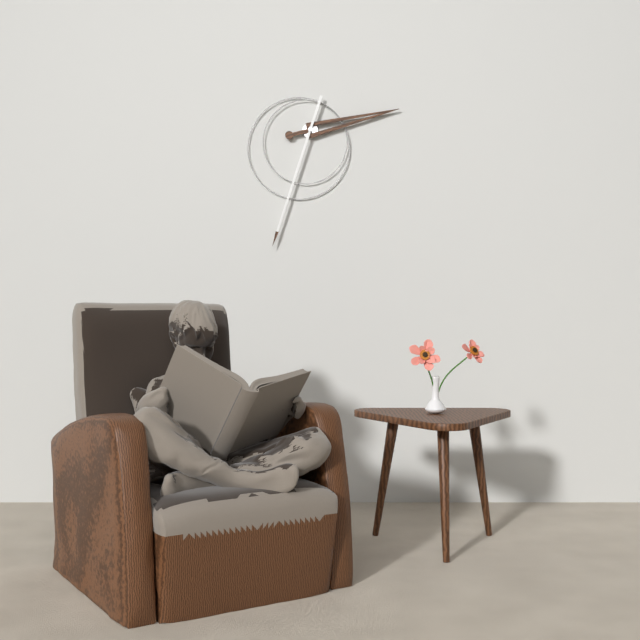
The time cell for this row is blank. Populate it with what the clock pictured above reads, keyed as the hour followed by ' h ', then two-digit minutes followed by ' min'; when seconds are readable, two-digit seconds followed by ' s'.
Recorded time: 2 h 33 min
